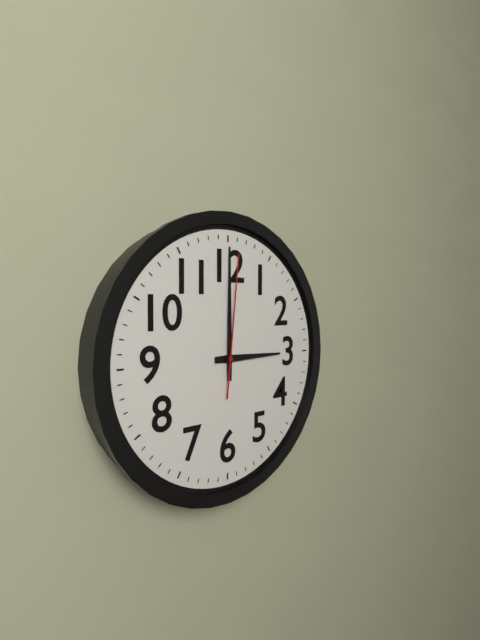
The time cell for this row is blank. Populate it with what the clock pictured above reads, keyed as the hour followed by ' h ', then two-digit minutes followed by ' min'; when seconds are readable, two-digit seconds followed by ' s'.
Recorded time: 3 h 00 min 01 s
